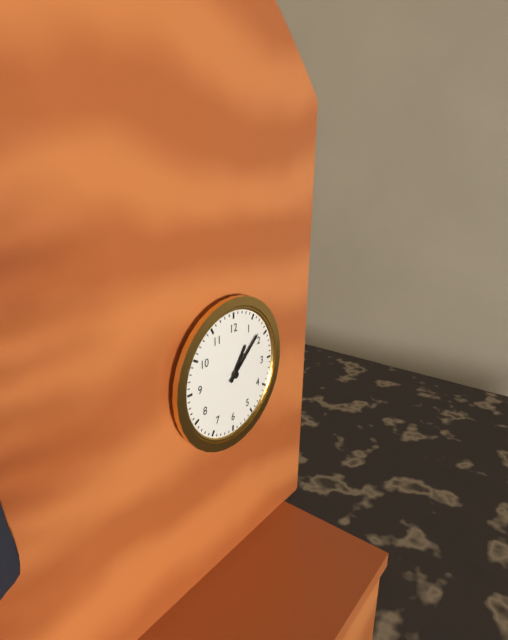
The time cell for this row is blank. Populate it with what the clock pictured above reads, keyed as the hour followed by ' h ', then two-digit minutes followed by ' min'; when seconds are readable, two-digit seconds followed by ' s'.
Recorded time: 1 h 08 min
